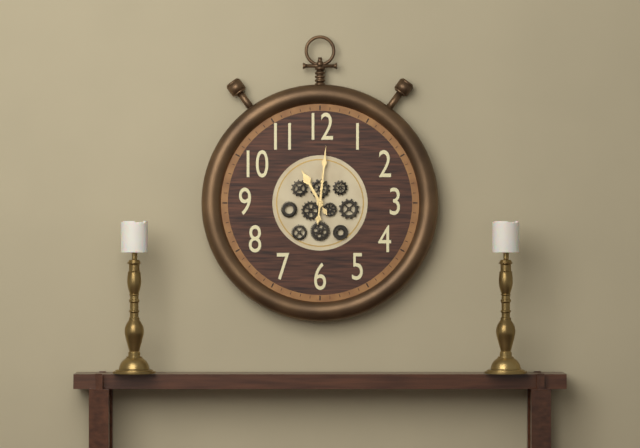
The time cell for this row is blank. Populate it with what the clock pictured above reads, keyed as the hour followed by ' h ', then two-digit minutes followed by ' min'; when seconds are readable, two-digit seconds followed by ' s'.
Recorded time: 11 h 01 min
